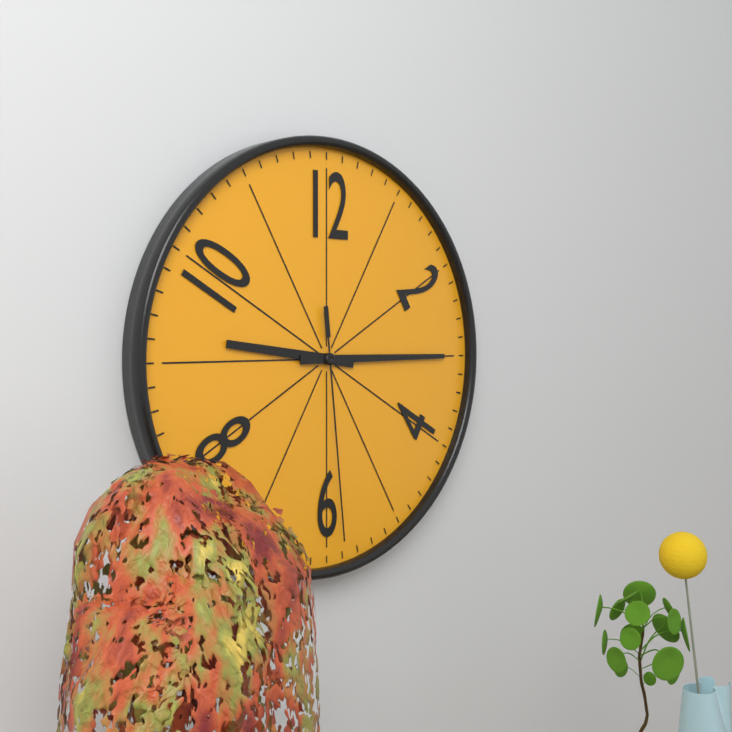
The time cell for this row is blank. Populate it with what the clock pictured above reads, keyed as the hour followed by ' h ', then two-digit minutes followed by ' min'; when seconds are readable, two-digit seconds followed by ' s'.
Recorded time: 9 h 15 min 29 s
